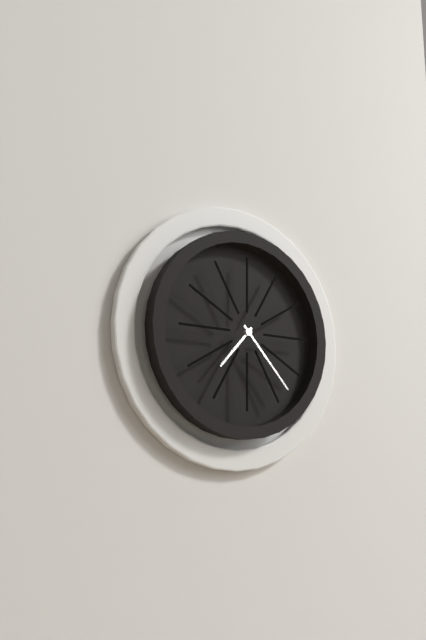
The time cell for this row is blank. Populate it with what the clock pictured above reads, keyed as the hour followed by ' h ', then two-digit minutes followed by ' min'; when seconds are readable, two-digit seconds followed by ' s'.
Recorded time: 7 h 23 min
